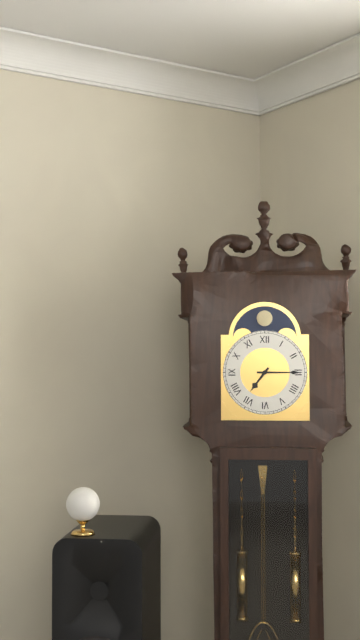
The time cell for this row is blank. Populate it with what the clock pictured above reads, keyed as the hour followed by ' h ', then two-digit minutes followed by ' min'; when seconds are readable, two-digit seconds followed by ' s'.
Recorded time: 7 h 15 min
